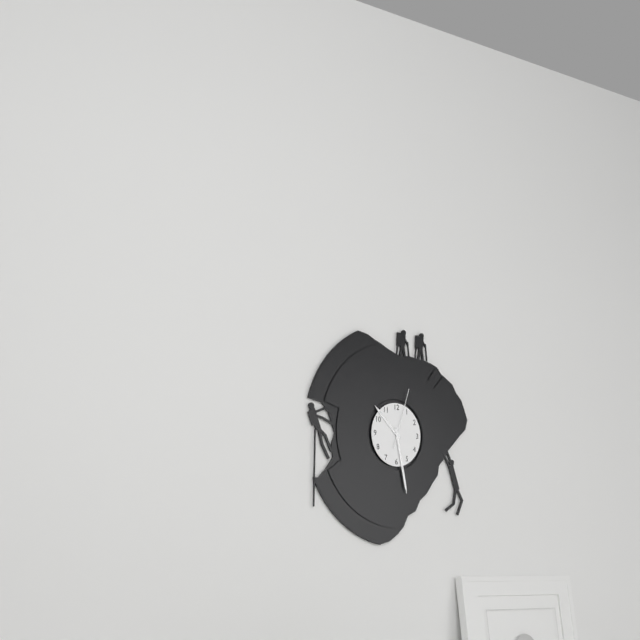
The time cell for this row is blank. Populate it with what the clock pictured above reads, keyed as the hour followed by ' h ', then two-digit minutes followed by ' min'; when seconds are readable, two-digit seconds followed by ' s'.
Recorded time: 10 h 28 min 03 s
